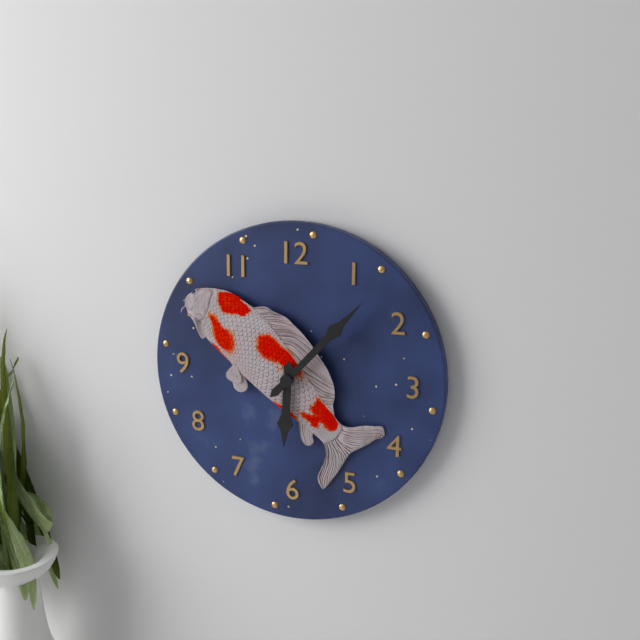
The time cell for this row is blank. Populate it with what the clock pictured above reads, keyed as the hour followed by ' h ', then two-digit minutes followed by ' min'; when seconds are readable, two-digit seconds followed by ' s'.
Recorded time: 6 h 07 min
